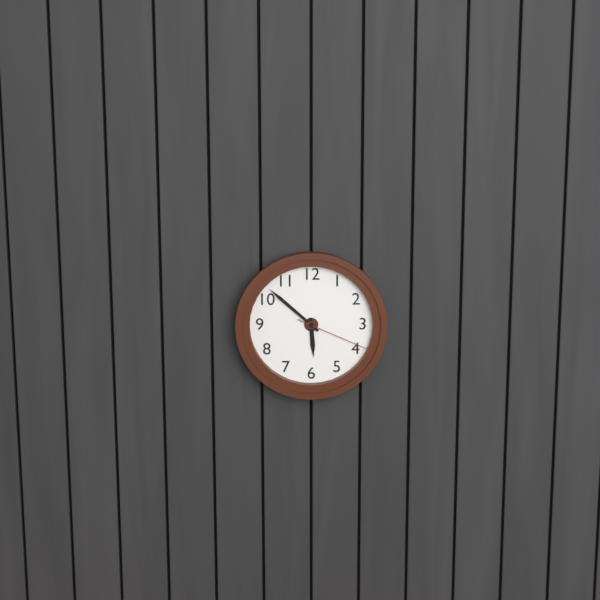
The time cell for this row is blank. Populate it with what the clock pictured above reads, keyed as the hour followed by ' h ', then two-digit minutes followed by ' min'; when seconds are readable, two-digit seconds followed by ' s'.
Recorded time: 5 h 52 min 19 s
